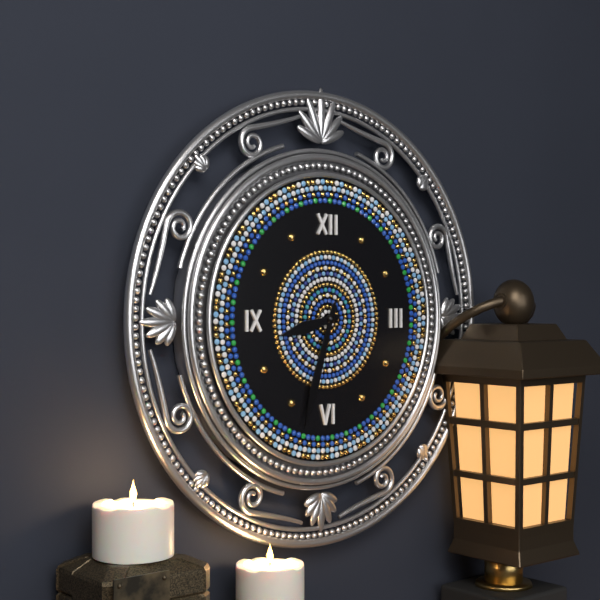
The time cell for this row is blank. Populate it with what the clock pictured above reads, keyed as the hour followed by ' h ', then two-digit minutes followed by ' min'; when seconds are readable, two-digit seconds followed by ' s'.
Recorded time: 8 h 33 min
